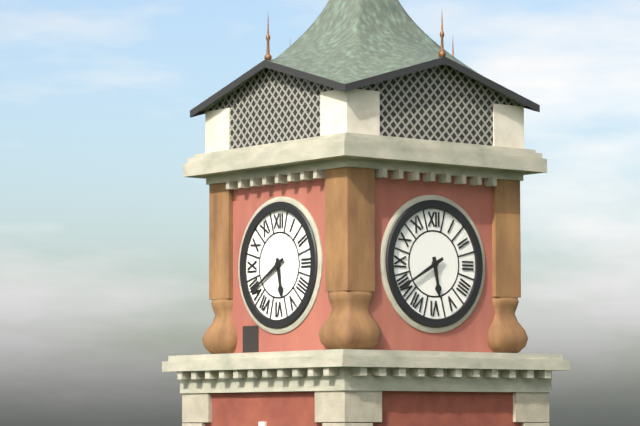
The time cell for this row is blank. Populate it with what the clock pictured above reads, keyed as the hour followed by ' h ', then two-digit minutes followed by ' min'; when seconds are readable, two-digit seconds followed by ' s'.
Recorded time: 5 h 40 min
